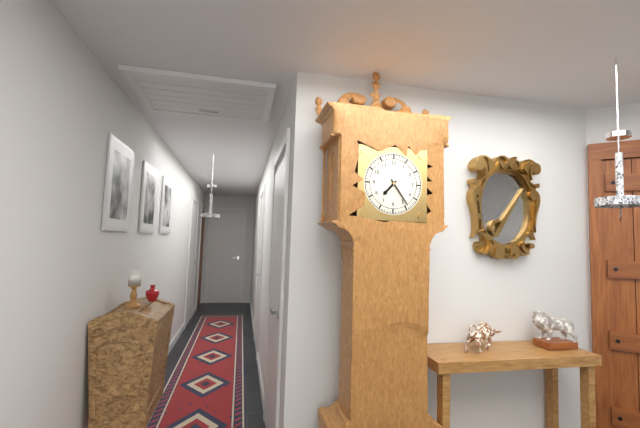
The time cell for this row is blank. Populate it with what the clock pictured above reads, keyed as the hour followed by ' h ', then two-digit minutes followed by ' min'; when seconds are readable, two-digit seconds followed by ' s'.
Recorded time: 7 h 24 min
